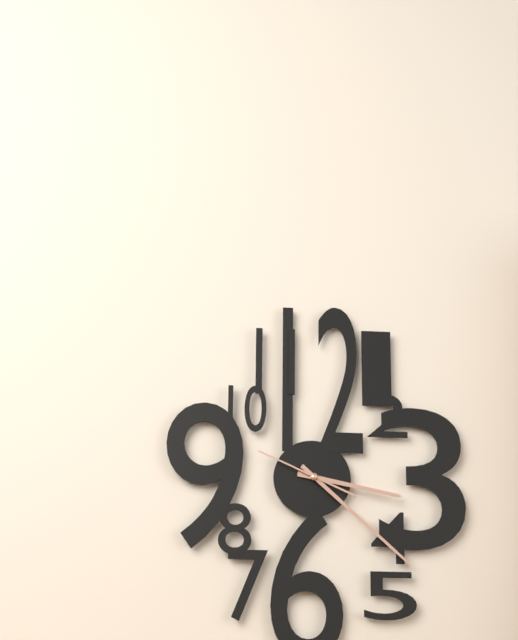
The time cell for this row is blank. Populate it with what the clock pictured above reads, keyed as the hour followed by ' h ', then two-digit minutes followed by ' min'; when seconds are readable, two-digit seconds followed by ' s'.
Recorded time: 3 h 22 min 49 s
